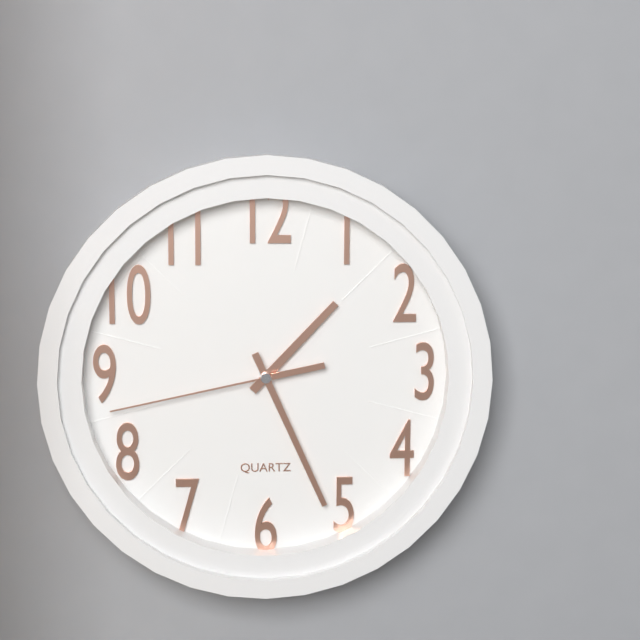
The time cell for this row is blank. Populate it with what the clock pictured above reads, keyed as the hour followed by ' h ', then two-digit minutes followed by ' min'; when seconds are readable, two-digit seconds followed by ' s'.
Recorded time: 1 h 26 min 43 s
